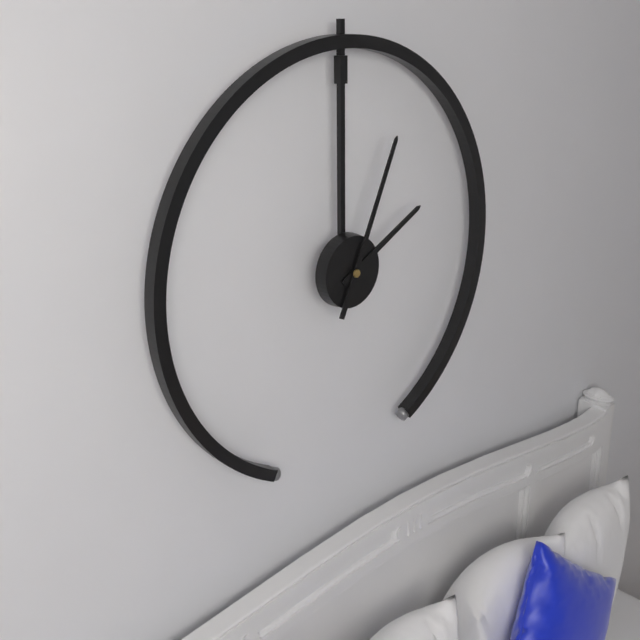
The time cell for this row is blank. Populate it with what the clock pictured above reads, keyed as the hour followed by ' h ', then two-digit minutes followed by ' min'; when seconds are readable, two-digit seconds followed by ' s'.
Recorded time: 2 h 04 min
